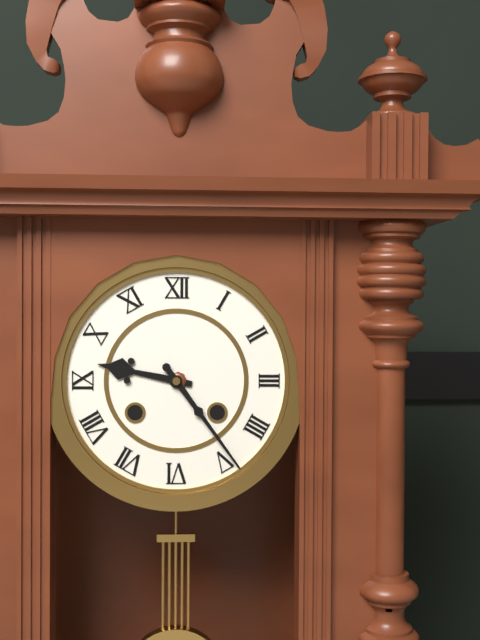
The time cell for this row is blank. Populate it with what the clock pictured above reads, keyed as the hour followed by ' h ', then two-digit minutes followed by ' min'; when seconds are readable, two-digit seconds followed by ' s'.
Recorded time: 9 h 24 min
